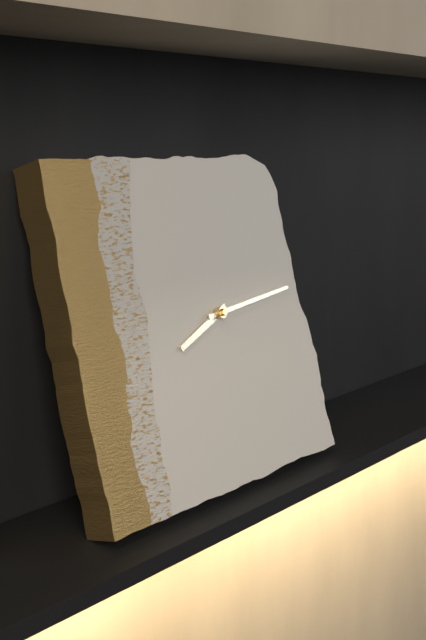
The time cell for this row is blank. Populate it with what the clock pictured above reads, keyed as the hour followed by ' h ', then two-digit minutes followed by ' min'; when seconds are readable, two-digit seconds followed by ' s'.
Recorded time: 8 h 14 min
